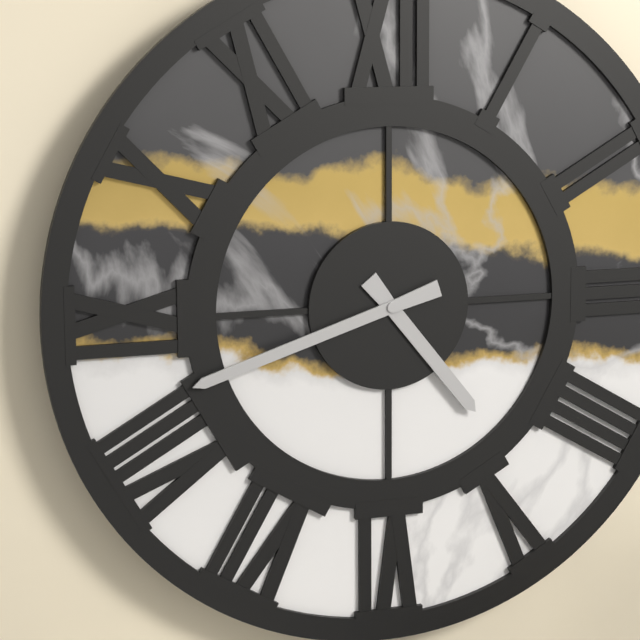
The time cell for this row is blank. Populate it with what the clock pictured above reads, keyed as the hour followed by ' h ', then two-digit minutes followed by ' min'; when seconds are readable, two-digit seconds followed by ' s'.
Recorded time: 4 h 42 min
